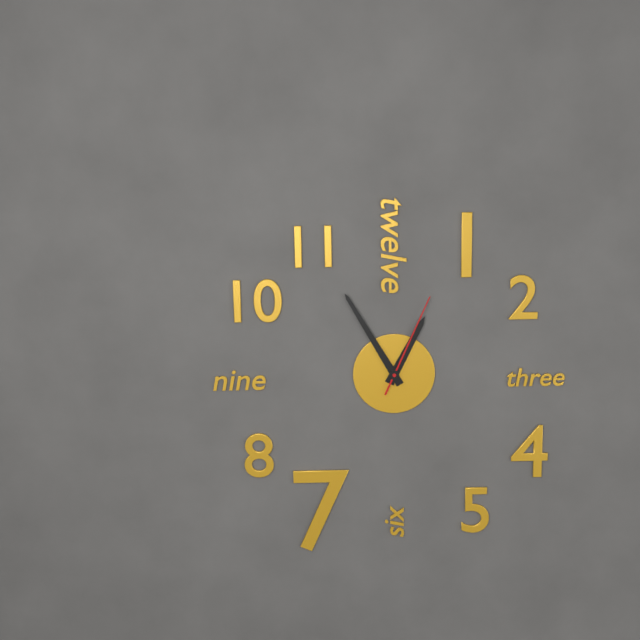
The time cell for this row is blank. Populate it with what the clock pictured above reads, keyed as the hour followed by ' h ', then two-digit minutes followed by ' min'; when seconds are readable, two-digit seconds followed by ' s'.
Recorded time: 12 h 55 min 04 s
